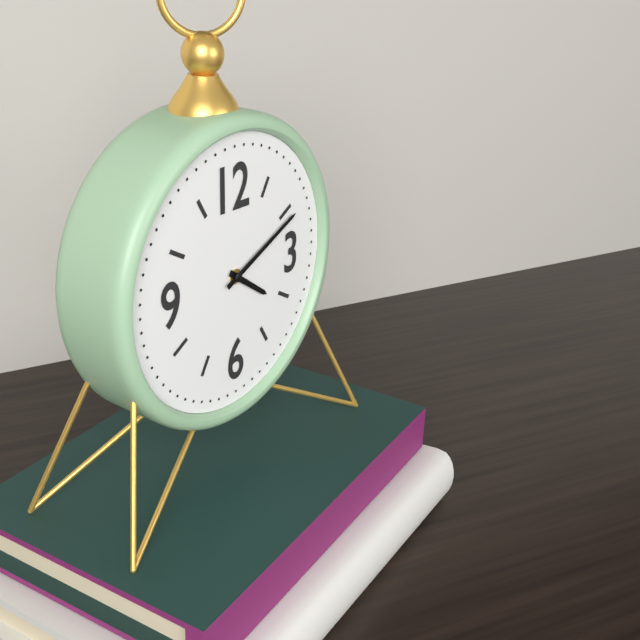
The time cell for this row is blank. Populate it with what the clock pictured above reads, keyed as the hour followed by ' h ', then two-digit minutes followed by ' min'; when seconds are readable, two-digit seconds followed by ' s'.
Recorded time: 4 h 11 min
